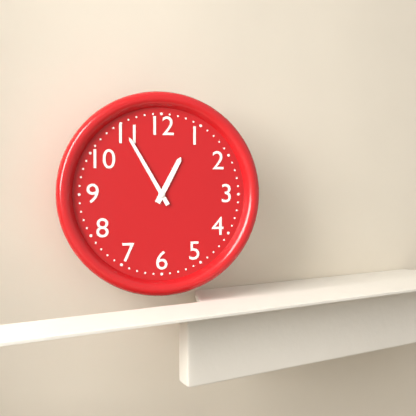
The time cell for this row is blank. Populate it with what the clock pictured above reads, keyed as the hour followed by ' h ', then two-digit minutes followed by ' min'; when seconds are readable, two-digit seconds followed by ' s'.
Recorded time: 12 h 55 min
